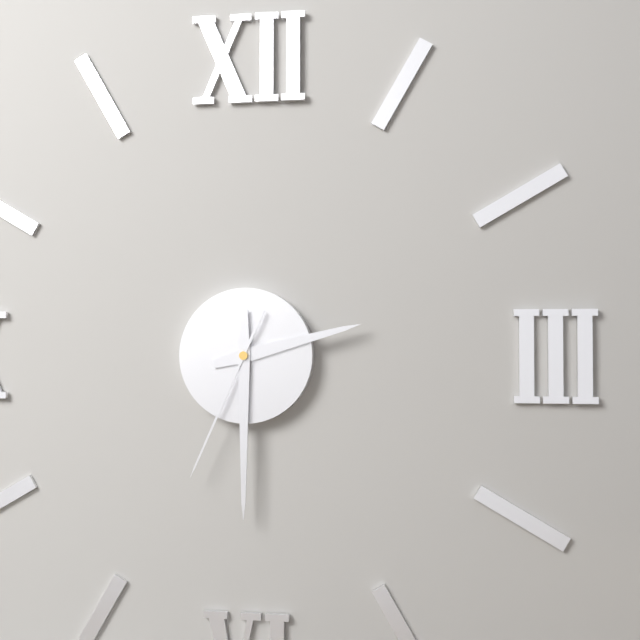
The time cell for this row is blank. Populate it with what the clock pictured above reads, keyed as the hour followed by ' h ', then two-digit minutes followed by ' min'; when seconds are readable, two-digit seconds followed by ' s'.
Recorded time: 2 h 30 min 34 s
